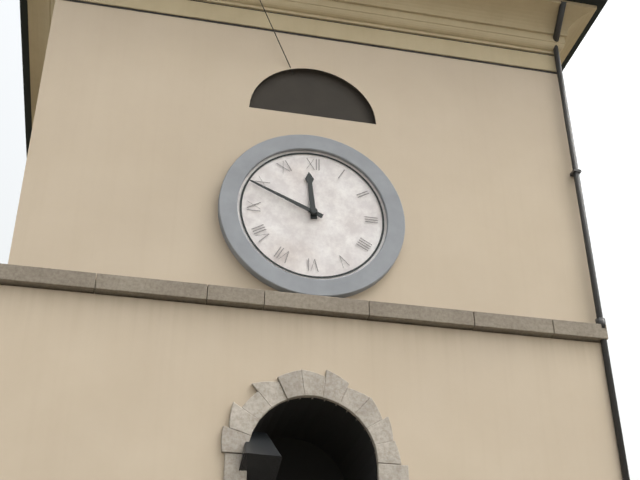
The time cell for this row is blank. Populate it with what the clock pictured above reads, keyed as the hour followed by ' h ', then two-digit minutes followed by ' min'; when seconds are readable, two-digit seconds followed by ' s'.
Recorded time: 11 h 49 min
